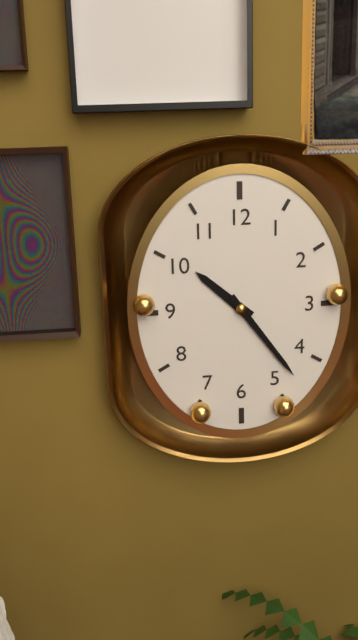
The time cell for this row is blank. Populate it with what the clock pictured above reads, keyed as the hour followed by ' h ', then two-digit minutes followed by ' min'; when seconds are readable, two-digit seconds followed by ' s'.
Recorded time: 10 h 24 min
